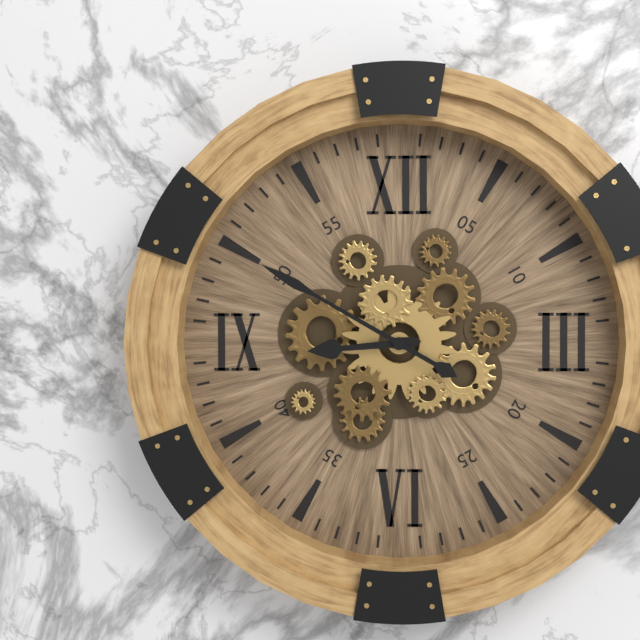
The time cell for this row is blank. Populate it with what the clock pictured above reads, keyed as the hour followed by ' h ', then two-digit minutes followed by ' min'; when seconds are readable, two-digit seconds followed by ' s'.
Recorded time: 8 h 50 min
